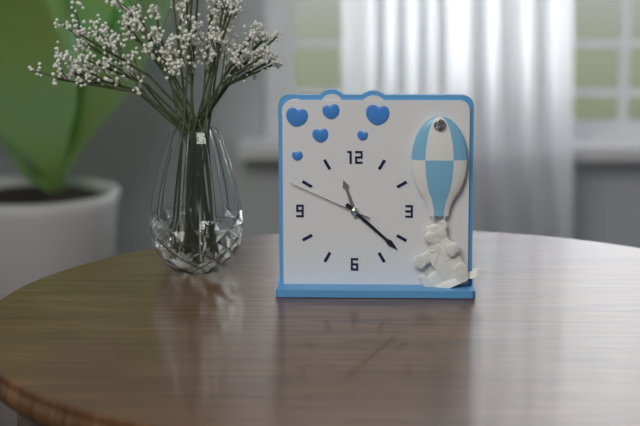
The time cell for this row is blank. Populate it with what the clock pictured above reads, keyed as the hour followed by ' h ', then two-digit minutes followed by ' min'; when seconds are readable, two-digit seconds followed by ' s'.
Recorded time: 11 h 22 min 49 s
